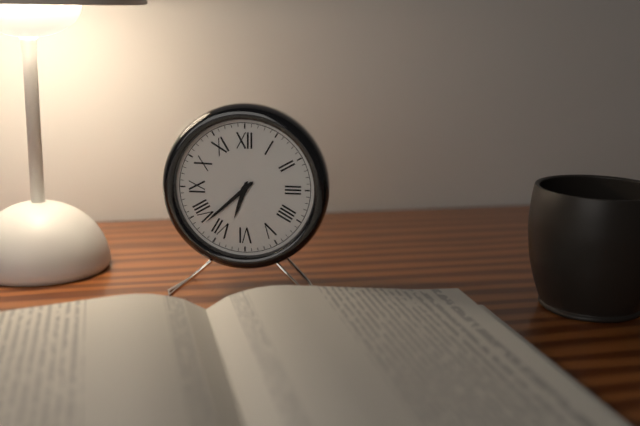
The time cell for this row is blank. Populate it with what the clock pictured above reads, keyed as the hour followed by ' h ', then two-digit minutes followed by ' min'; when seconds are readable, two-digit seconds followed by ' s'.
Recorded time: 6 h 38 min
